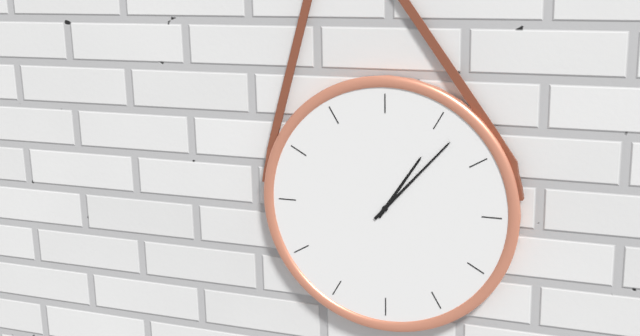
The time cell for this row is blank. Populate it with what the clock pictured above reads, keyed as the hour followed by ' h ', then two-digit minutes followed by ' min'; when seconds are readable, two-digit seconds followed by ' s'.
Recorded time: 1 h 07 min
